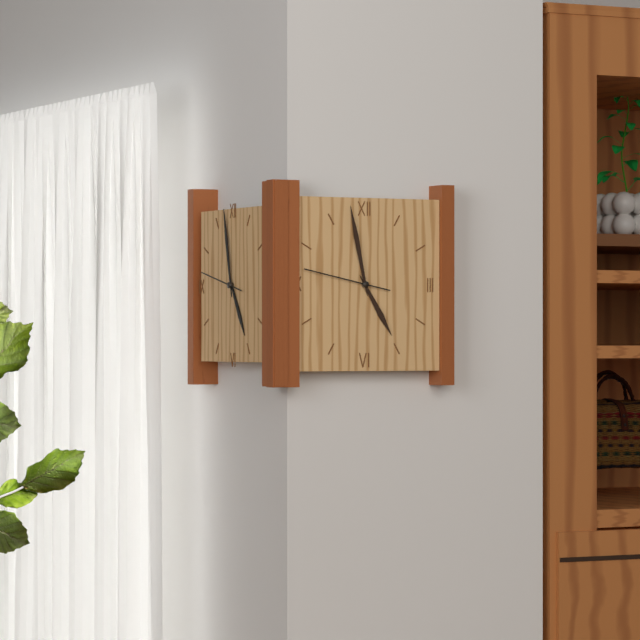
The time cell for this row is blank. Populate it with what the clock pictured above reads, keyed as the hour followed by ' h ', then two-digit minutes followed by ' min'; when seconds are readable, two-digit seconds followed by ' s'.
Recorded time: 4 h 58 min 47 s
